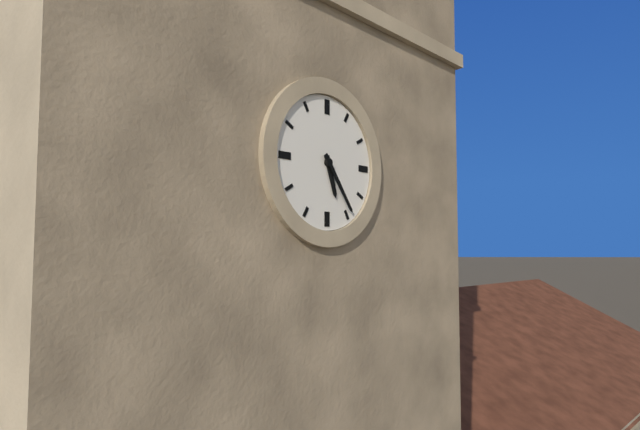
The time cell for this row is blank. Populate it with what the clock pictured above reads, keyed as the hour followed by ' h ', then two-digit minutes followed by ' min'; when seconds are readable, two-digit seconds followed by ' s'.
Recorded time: 5 h 24 min
